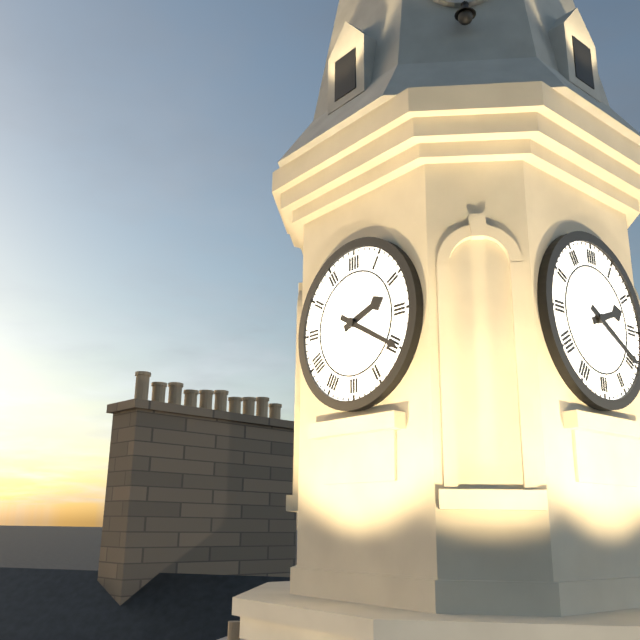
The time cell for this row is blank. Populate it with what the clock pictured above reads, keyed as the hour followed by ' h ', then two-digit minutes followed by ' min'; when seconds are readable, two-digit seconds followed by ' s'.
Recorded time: 2 h 20 min
